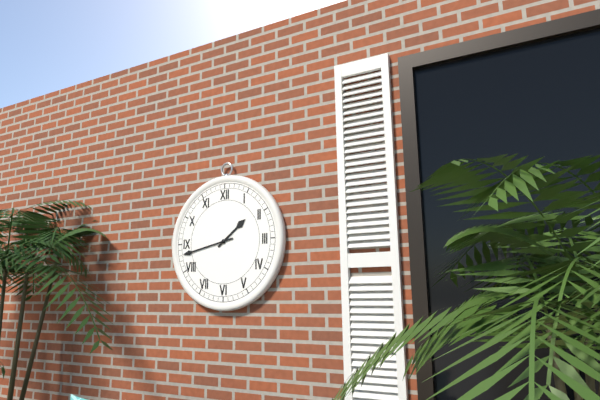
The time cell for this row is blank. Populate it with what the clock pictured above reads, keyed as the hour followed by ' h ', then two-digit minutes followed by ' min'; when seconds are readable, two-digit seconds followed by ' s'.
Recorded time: 1 h 43 min
